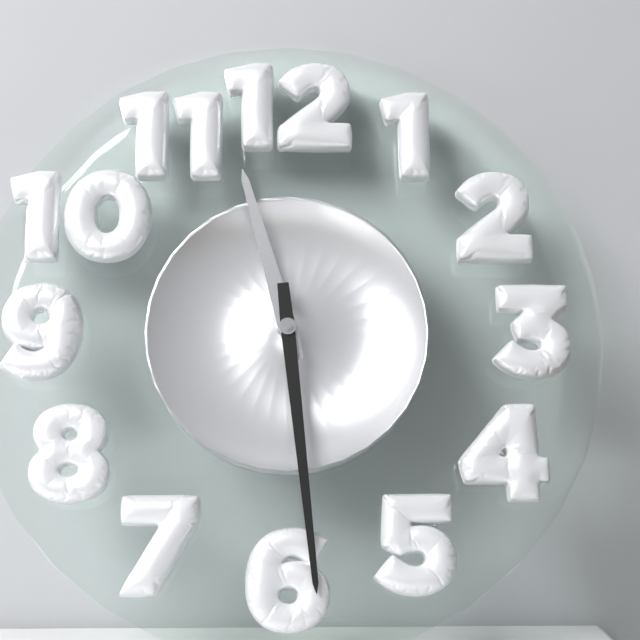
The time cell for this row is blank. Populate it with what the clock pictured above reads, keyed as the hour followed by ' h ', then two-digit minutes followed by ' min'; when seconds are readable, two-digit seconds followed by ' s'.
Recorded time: 11 h 29 min
